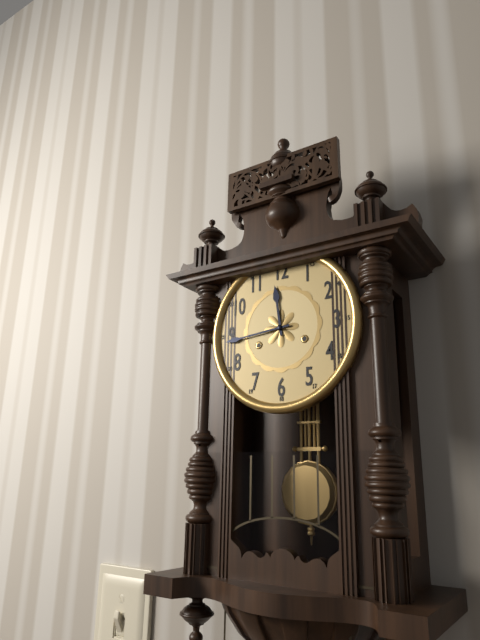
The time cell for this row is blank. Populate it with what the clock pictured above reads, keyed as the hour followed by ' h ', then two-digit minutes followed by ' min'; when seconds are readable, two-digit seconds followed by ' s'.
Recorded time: 11 h 44 min
